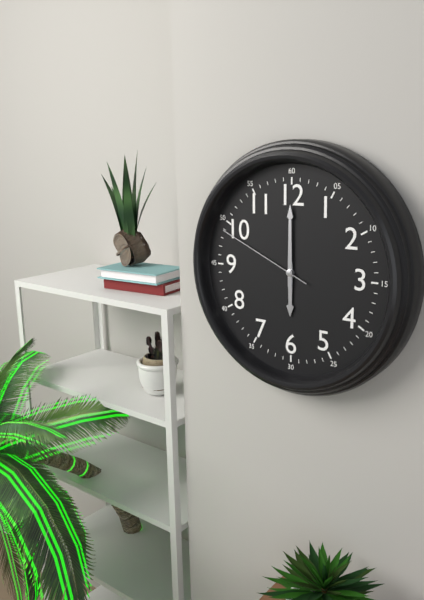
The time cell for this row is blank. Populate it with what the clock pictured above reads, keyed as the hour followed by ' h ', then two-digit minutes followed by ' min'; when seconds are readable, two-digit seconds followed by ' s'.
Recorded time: 6 h 00 min 49 s
